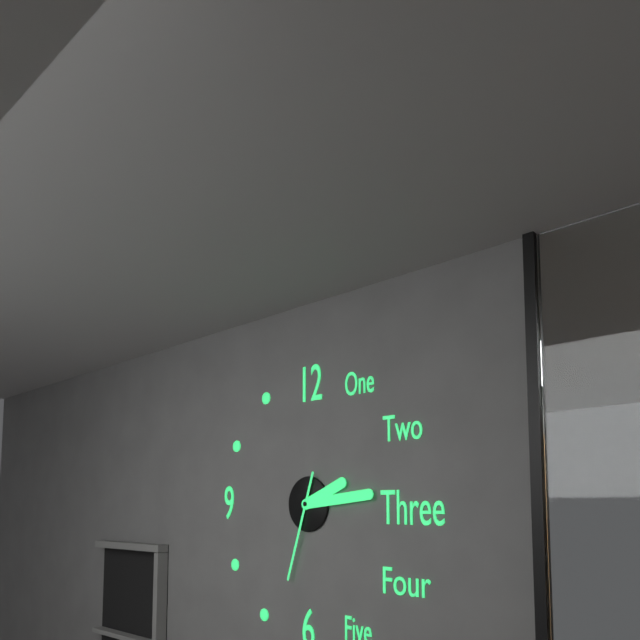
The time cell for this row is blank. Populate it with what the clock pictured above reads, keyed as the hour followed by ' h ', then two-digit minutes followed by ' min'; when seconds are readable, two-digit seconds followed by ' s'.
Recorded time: 2 h 14 min 33 s
